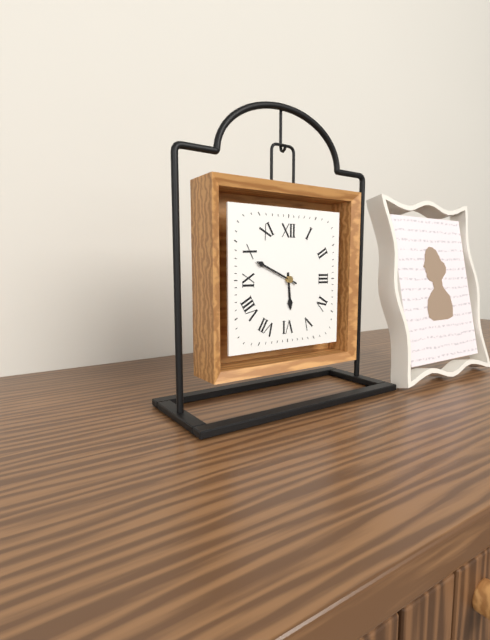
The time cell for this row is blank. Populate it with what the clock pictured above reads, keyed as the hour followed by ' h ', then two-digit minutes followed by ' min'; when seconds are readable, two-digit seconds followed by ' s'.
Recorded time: 5 h 49 min
